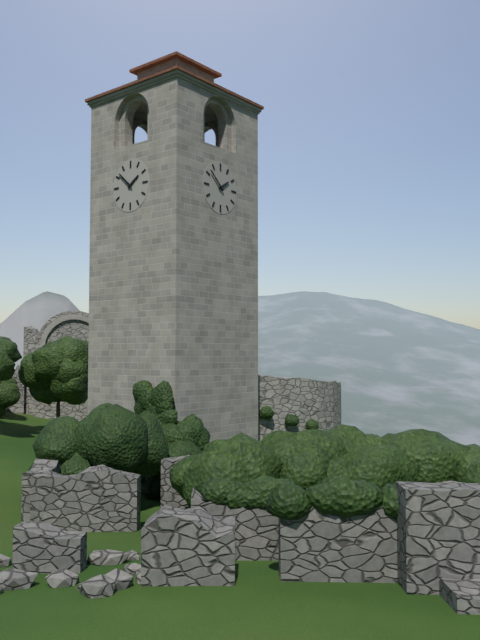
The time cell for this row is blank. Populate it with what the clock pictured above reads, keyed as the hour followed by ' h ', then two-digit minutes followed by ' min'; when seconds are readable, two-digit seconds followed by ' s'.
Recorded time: 1 h 52 min
